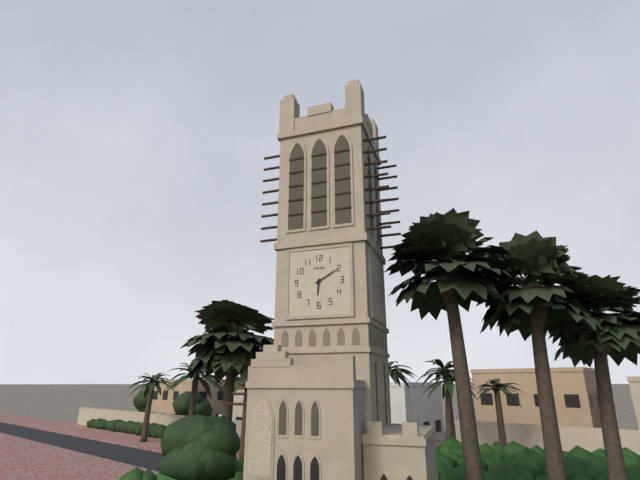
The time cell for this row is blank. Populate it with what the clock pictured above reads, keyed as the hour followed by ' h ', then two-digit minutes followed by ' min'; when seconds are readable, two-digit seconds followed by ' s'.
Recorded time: 6 h 10 min
